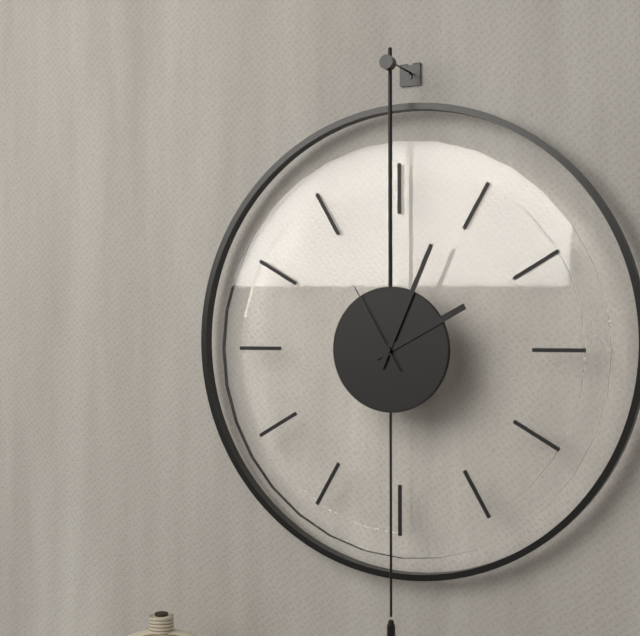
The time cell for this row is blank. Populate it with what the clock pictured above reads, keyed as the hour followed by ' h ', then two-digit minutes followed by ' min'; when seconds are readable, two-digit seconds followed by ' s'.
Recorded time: 2 h 04 min 55 s
